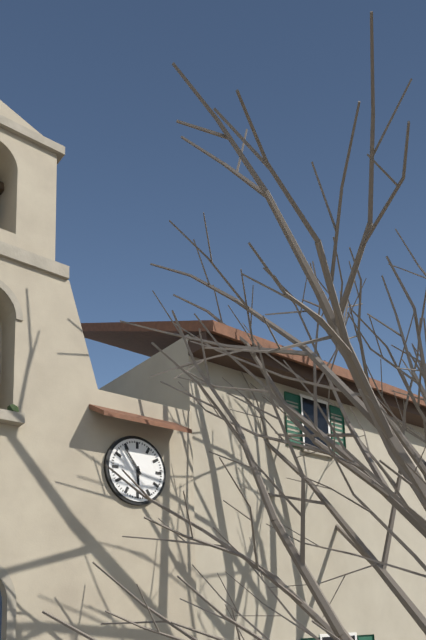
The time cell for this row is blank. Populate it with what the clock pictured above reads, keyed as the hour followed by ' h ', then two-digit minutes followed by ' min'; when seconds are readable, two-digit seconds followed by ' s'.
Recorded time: 5 h 54 min
